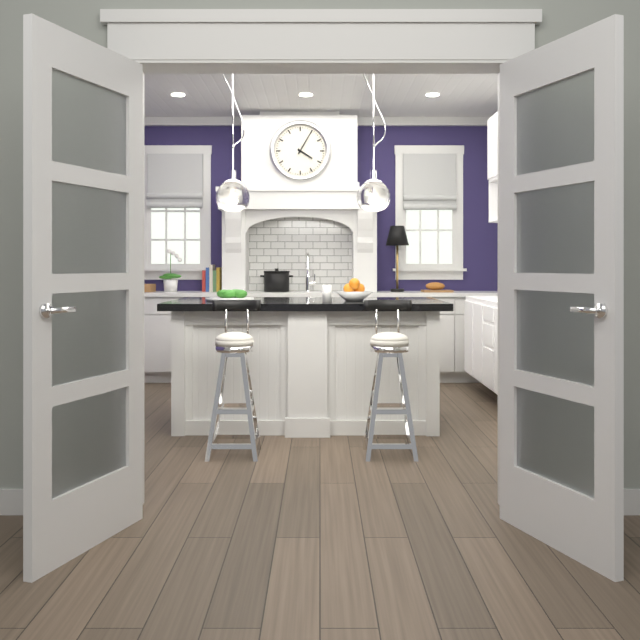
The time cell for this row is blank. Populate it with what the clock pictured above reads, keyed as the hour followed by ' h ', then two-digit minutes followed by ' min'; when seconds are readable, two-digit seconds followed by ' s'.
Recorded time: 4 h 05 min
